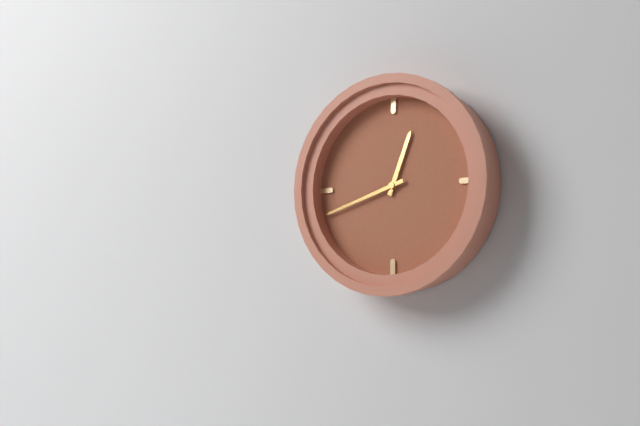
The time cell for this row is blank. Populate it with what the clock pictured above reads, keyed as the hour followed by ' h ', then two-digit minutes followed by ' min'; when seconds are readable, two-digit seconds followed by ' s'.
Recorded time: 12 h 42 min
